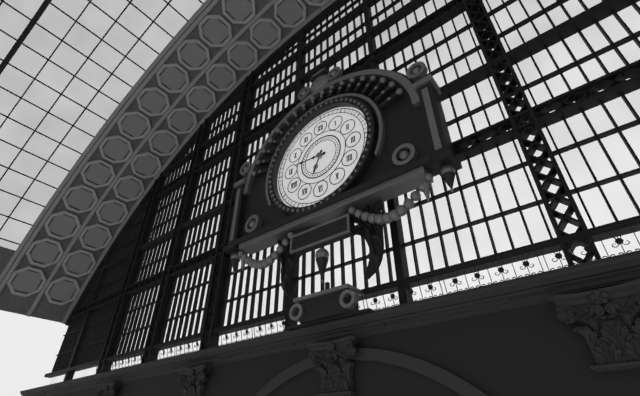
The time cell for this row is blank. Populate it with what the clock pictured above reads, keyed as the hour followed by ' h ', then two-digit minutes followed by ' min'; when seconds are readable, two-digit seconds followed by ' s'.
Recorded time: 6 h 46 min
